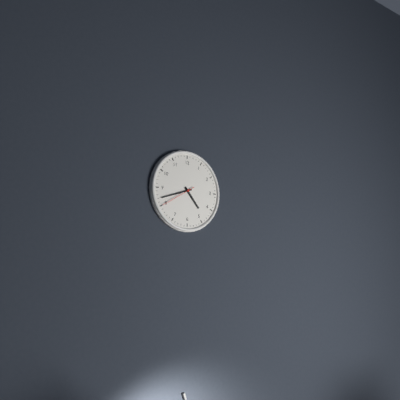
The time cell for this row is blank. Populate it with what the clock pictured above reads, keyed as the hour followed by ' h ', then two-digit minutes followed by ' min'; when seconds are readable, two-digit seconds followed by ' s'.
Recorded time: 4 h 42 min
